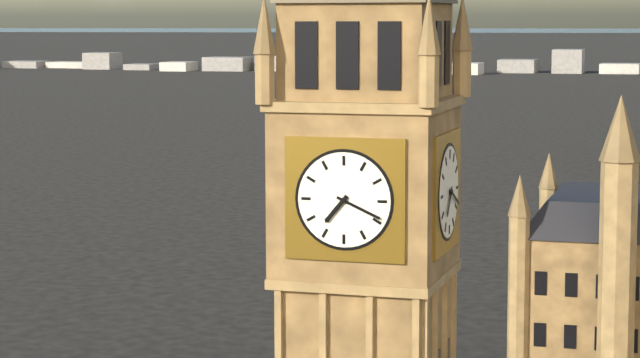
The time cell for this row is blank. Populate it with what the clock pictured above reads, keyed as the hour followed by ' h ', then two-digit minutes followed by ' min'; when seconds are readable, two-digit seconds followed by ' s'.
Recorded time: 7 h 19 min
